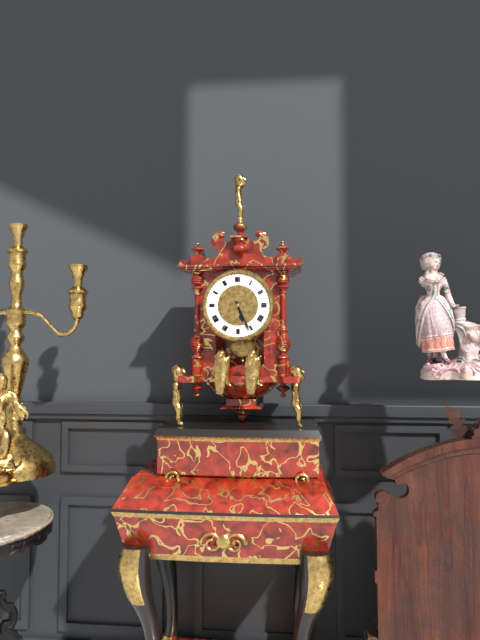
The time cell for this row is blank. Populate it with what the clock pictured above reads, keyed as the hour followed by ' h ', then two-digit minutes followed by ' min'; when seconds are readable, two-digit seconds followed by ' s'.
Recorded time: 5 h 26 min
